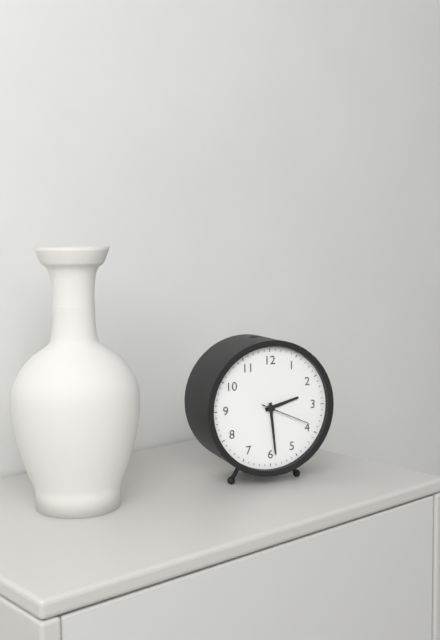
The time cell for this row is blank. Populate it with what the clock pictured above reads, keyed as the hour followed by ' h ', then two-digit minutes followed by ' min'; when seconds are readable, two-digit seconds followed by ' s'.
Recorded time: 2 h 29 min 19 s
